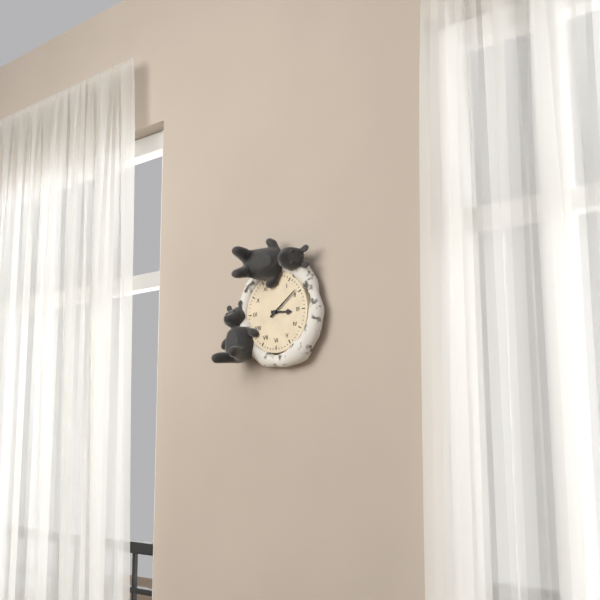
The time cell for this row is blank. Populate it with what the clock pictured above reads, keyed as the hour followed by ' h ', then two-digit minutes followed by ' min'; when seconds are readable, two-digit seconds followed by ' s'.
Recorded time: 3 h 09 min
